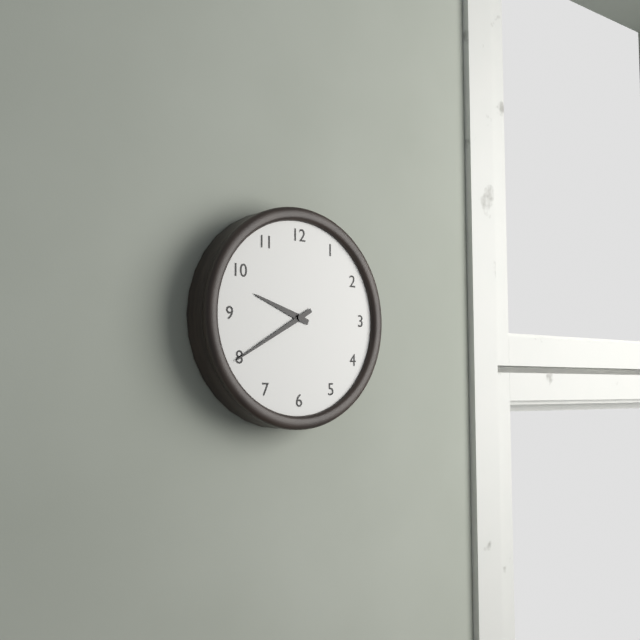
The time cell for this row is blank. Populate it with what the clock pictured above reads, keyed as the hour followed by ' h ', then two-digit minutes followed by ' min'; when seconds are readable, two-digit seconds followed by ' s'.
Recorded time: 9 h 40 min
